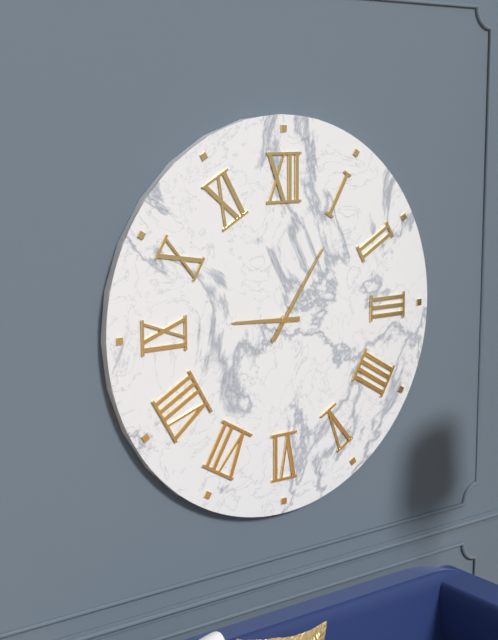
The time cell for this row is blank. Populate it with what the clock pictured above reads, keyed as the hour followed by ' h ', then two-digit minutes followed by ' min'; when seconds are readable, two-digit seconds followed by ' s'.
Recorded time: 9 h 06 min
